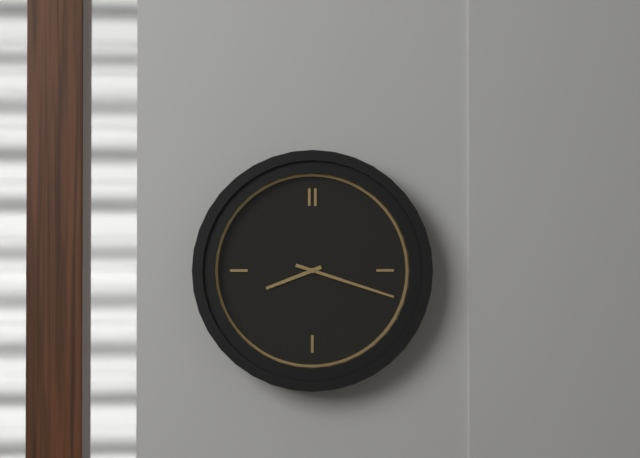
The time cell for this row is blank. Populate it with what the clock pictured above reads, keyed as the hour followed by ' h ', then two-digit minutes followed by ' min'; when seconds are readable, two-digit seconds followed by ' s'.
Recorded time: 8 h 18 min
